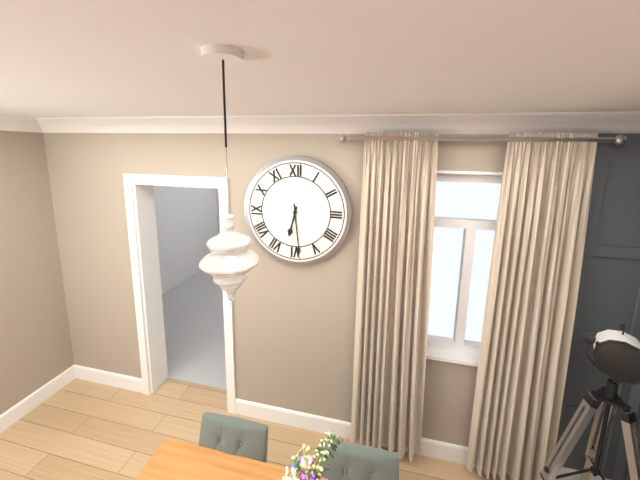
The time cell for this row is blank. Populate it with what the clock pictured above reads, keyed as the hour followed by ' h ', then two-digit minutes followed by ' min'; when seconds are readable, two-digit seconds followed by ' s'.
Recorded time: 6 h 29 min
